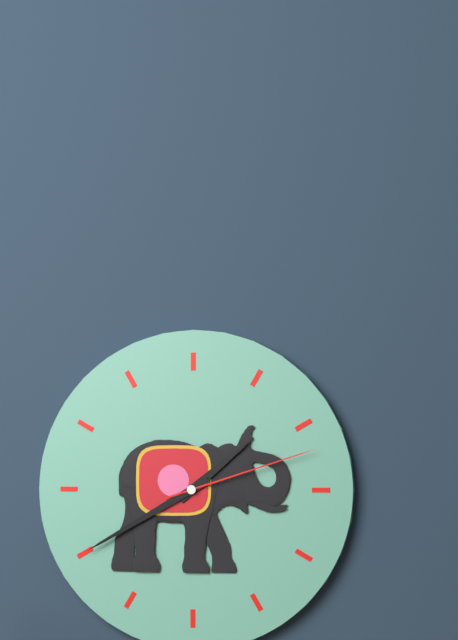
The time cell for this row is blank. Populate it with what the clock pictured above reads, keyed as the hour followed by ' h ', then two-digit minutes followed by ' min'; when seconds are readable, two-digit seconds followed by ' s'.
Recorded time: 1 h 40 min 12 s
